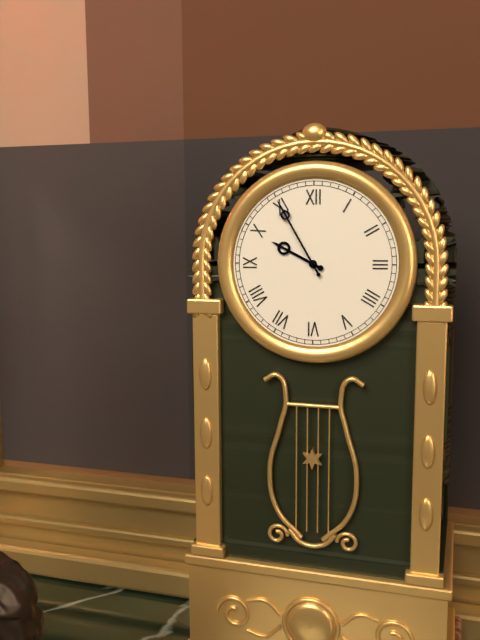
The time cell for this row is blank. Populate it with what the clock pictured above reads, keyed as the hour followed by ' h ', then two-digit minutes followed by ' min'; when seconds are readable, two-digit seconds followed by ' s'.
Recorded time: 9 h 55 min
